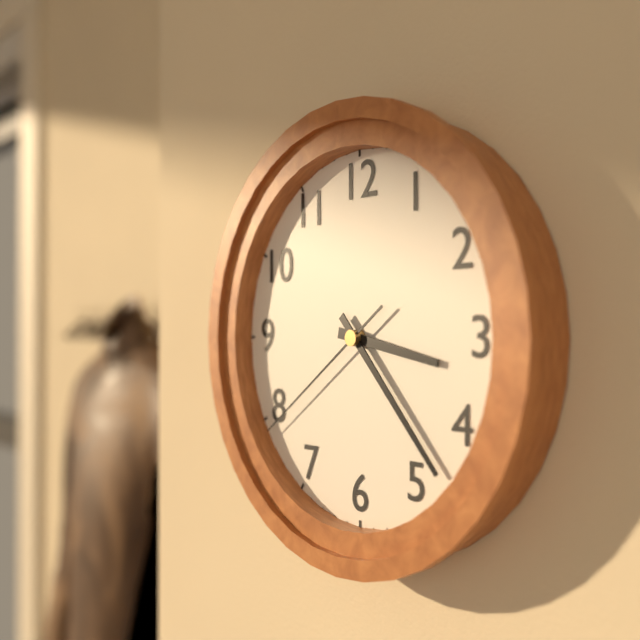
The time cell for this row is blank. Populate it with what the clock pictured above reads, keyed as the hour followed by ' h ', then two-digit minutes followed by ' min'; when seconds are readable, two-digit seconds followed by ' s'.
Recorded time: 3 h 23 min 39 s
